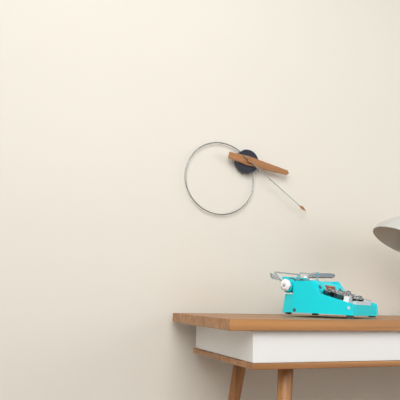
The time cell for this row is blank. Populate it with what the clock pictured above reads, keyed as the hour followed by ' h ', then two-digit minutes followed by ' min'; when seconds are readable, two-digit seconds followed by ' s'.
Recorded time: 3 h 21 min
